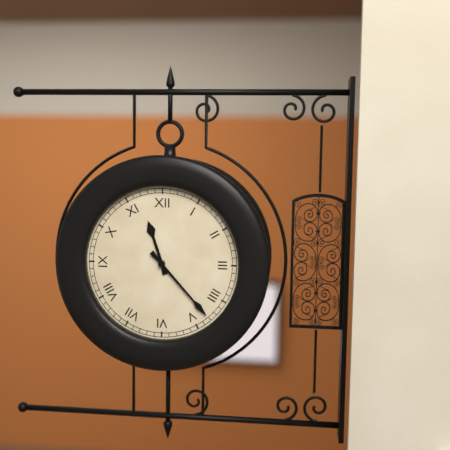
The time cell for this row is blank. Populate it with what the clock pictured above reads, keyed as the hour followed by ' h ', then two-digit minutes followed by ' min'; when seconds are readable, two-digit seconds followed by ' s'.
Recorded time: 11 h 23 min
